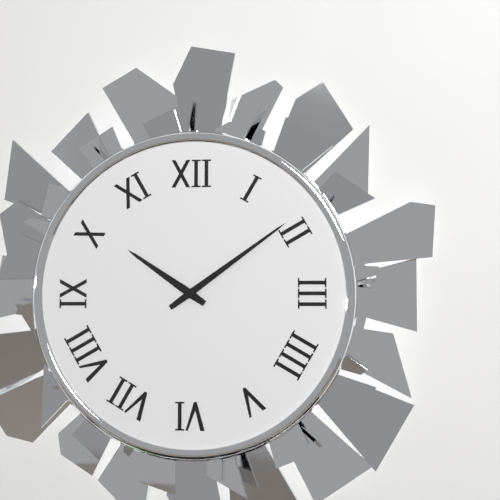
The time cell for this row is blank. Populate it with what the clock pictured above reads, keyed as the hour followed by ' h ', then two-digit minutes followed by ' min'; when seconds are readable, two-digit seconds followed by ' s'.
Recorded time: 10 h 09 min
